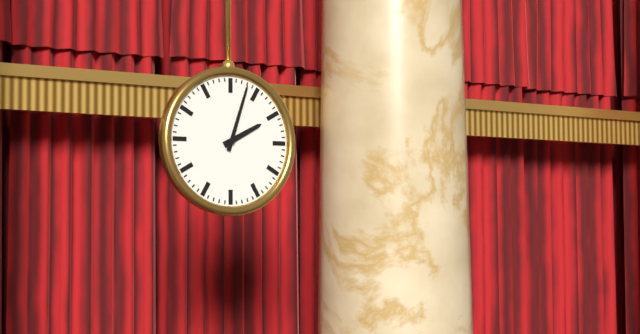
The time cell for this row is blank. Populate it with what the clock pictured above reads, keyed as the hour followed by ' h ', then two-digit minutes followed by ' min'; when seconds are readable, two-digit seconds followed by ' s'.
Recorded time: 2 h 03 min
